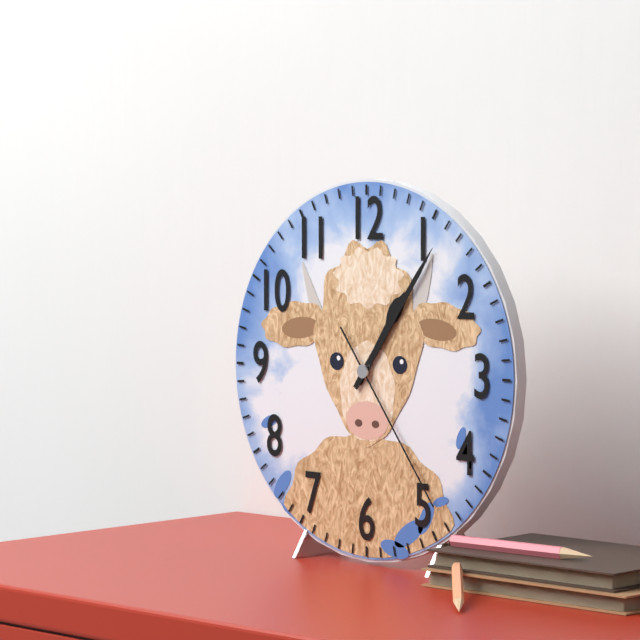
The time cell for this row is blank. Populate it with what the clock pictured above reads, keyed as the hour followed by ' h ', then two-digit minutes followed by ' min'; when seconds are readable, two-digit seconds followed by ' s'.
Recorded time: 1 h 06 min 24 s
